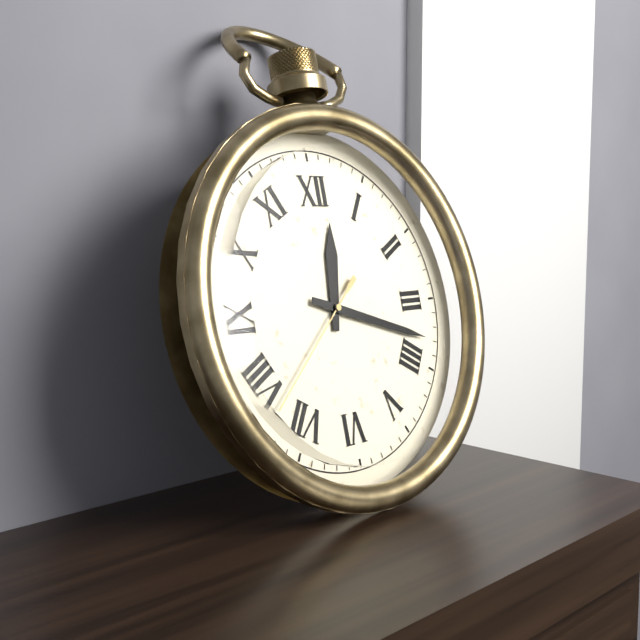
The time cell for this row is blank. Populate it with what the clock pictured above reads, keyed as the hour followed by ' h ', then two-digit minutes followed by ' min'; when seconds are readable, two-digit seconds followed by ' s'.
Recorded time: 12 h 18 min 38 s
